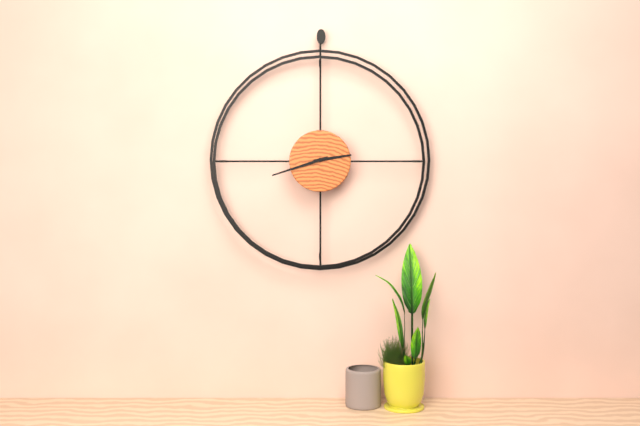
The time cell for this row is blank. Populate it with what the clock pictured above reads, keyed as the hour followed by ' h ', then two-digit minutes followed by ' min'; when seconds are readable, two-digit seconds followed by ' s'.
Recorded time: 2 h 42 min
